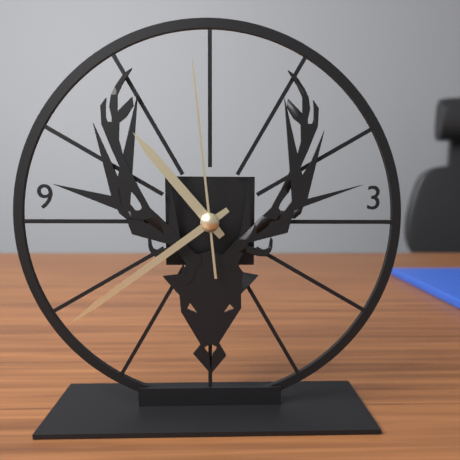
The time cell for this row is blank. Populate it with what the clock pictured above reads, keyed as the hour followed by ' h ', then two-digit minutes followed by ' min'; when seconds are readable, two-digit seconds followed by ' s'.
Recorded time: 10 h 39 min 59 s
